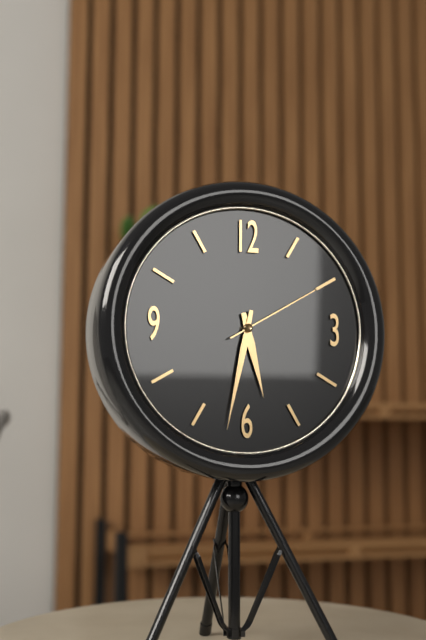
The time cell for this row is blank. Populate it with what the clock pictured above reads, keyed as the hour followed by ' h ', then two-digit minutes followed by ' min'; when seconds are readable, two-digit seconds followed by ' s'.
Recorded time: 5 h 32 min 10 s
